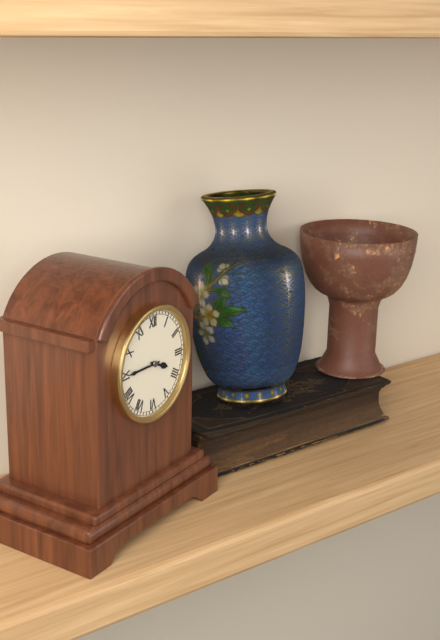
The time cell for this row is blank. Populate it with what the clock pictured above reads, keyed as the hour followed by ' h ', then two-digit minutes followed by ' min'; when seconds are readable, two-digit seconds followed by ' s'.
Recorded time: 3 h 45 min
